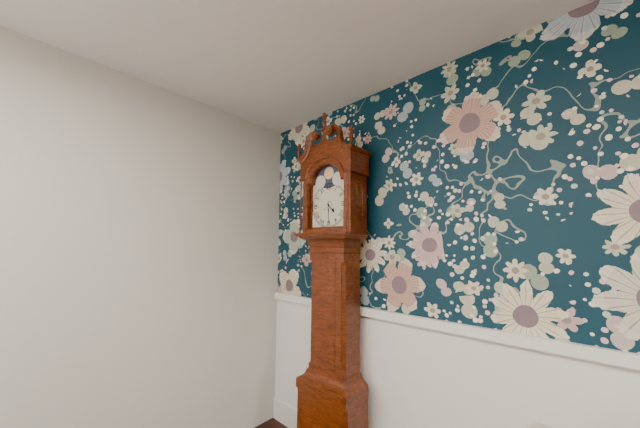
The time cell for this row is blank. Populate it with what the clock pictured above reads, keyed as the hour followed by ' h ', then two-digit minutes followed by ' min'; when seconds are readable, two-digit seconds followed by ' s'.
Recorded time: 4 h 30 min
